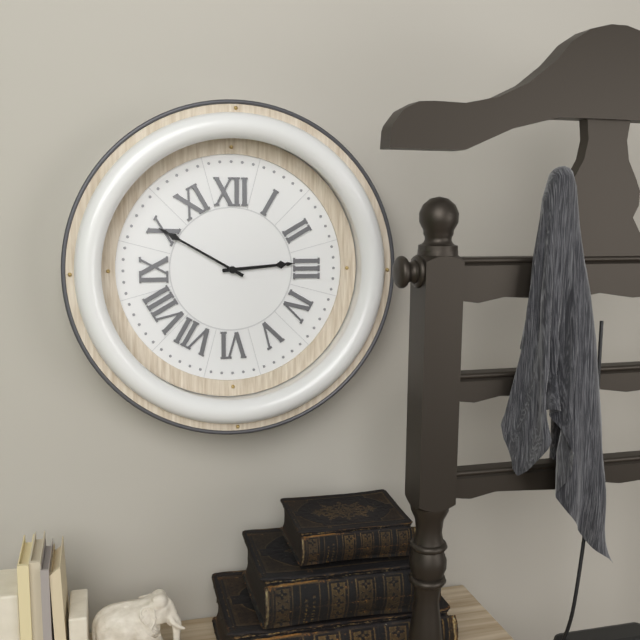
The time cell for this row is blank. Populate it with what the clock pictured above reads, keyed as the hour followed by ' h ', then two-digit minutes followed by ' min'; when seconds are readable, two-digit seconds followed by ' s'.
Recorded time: 2 h 50 min
